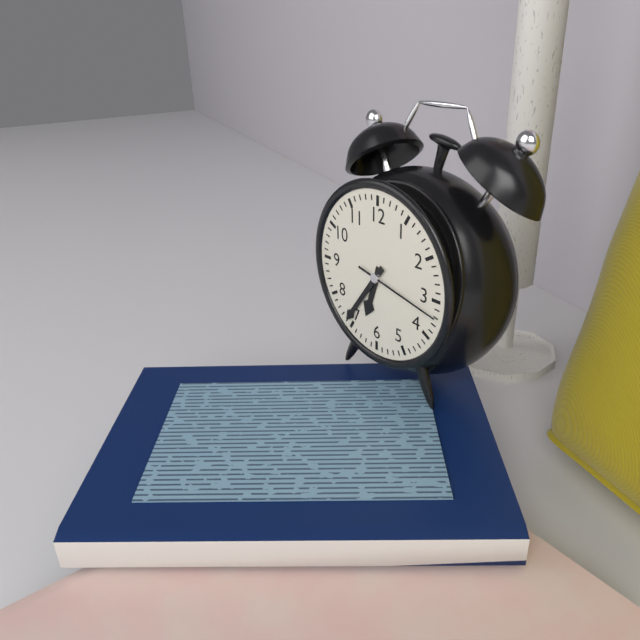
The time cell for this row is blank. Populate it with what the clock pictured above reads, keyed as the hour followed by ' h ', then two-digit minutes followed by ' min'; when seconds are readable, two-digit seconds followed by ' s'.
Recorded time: 6 h 36 min 17 s
